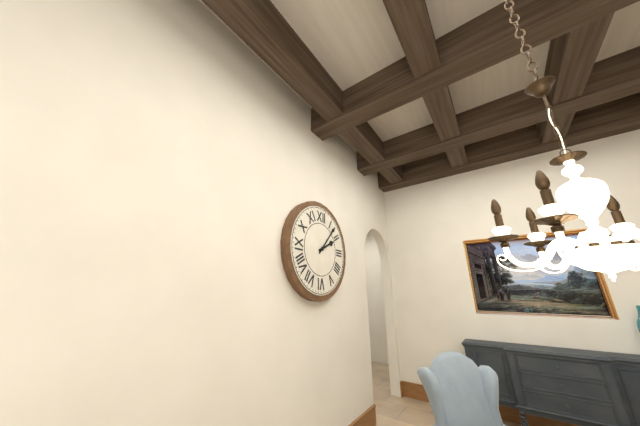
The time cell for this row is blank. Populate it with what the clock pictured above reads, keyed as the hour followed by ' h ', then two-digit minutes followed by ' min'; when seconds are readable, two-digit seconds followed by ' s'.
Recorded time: 2 h 07 min
